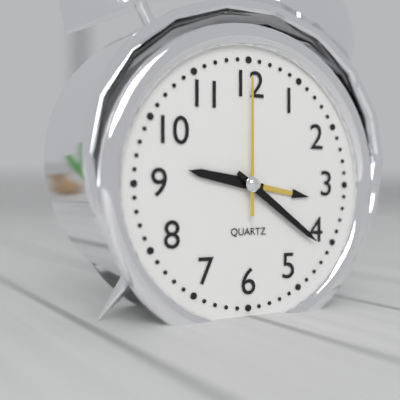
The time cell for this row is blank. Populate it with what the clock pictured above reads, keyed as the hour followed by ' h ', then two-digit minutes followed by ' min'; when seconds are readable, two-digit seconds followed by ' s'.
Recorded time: 9 h 21 min 00 s
